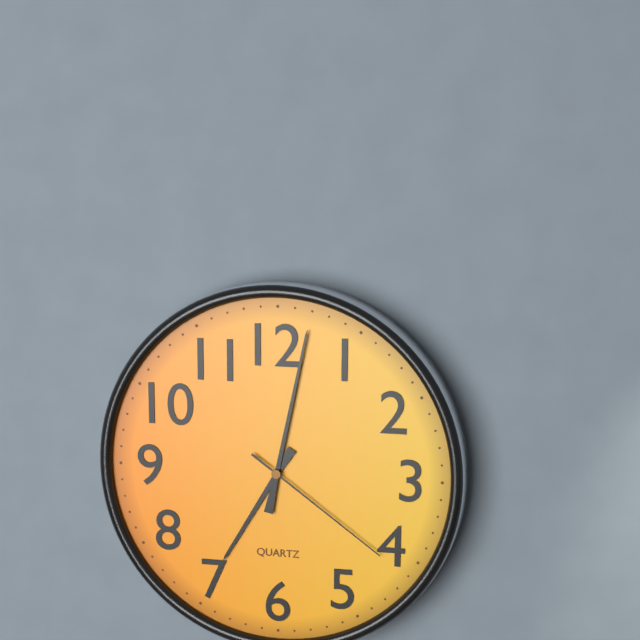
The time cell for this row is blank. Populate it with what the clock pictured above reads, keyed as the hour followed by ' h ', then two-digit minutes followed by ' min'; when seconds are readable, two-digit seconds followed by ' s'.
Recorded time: 7 h 02 min 21 s
